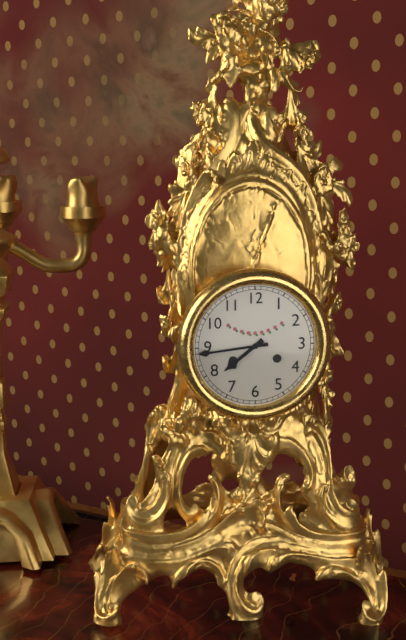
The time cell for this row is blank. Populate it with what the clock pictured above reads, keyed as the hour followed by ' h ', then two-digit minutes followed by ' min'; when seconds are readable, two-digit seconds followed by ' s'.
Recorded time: 7 h 44 min
